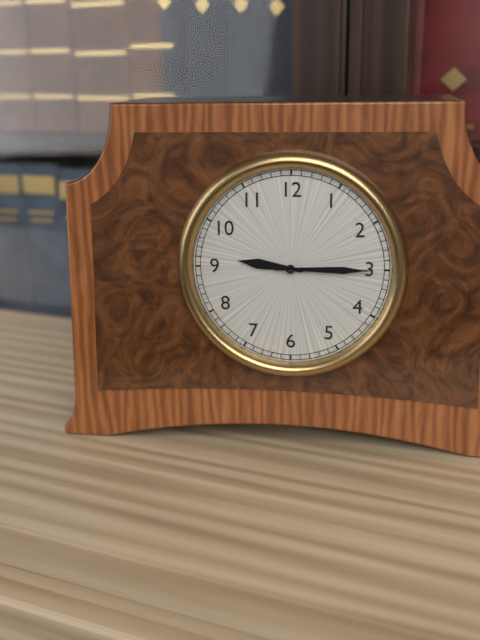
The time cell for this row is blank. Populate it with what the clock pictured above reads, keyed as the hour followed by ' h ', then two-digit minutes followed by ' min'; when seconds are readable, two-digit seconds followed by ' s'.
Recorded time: 9 h 15 min
